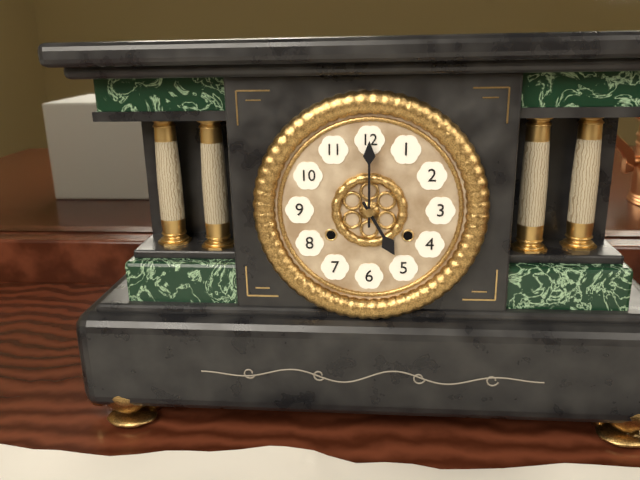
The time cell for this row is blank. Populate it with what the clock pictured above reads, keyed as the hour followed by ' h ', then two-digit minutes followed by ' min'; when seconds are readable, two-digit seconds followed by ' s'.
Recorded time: 5 h 00 min
